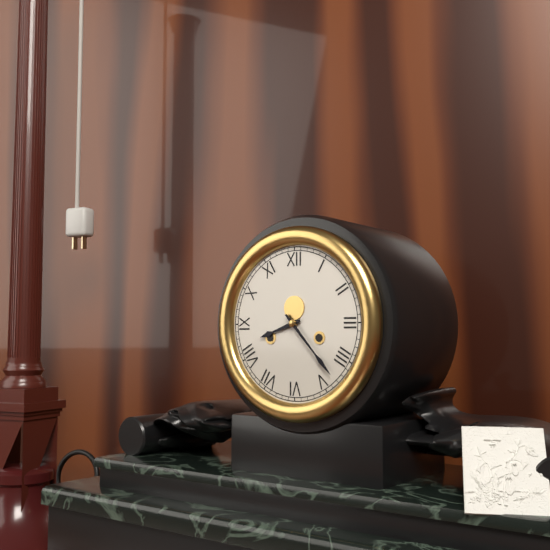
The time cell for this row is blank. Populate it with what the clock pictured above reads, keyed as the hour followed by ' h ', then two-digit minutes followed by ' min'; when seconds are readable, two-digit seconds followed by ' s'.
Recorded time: 8 h 23 min
